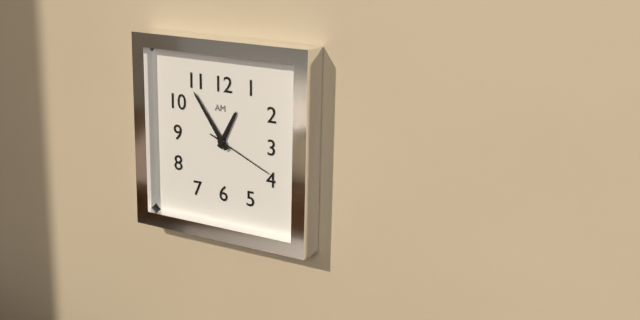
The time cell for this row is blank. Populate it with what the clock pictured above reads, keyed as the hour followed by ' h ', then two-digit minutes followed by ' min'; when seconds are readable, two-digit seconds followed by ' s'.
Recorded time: 12 h 54 min 19 s
